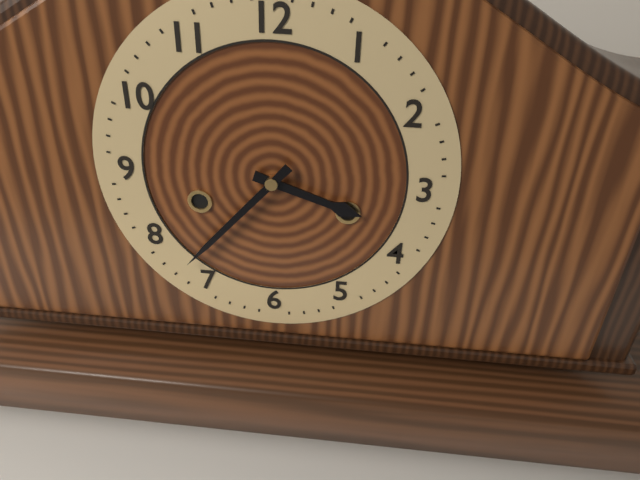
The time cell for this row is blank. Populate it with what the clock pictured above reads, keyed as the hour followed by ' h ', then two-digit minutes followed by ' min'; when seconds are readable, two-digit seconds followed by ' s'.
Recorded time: 3 h 37 min
